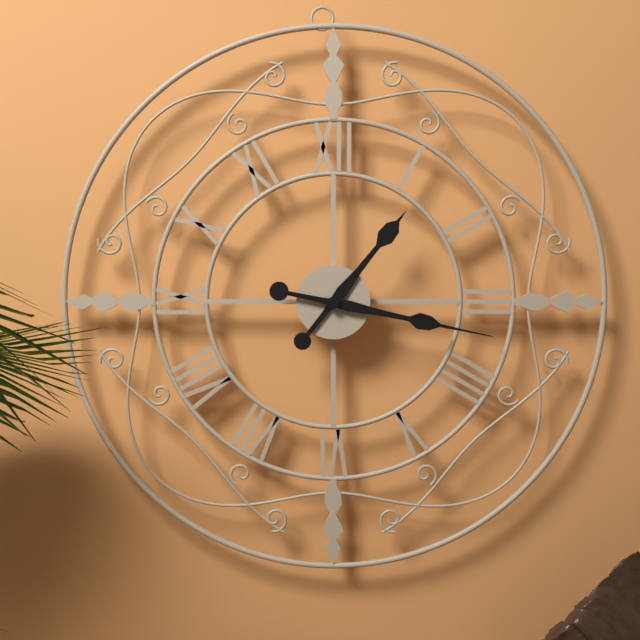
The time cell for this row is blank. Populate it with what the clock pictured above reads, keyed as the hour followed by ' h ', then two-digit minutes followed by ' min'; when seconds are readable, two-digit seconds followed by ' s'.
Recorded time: 1 h 17 min
